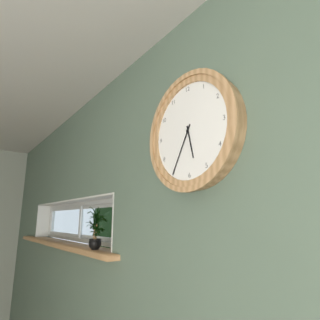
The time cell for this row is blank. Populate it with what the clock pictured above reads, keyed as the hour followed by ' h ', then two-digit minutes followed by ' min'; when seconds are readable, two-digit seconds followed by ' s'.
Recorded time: 5 h 35 min
